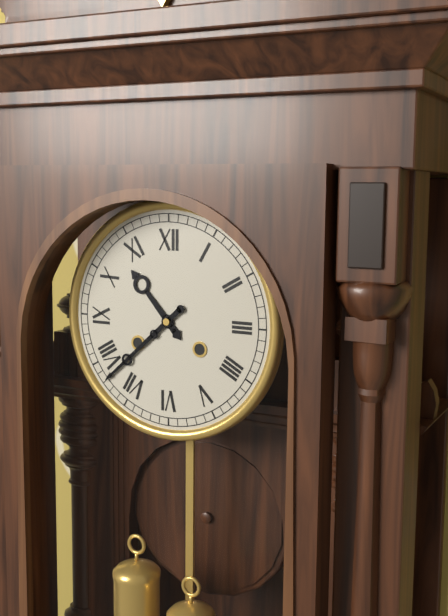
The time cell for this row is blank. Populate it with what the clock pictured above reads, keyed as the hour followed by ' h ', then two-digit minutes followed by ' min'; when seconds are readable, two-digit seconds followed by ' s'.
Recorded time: 10 h 38 min
